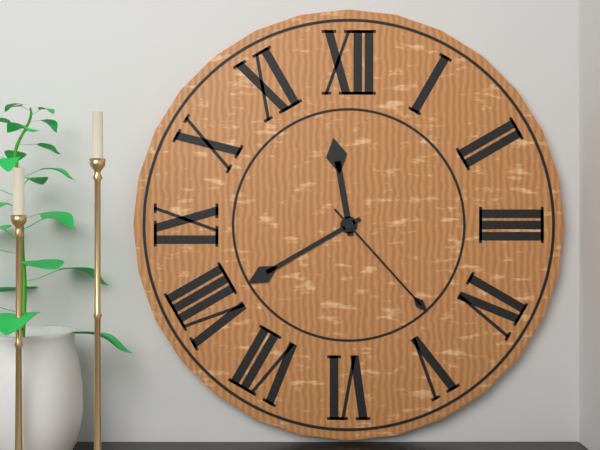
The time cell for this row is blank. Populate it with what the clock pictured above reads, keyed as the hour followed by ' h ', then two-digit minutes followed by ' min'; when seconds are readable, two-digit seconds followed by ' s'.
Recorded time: 11 h 40 min 23 s
